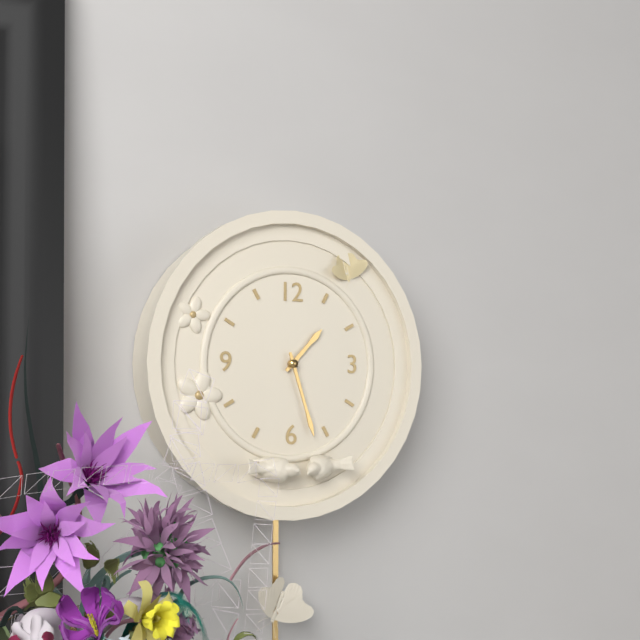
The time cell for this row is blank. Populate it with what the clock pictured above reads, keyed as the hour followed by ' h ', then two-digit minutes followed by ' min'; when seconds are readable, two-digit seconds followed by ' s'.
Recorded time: 1 h 27 min
